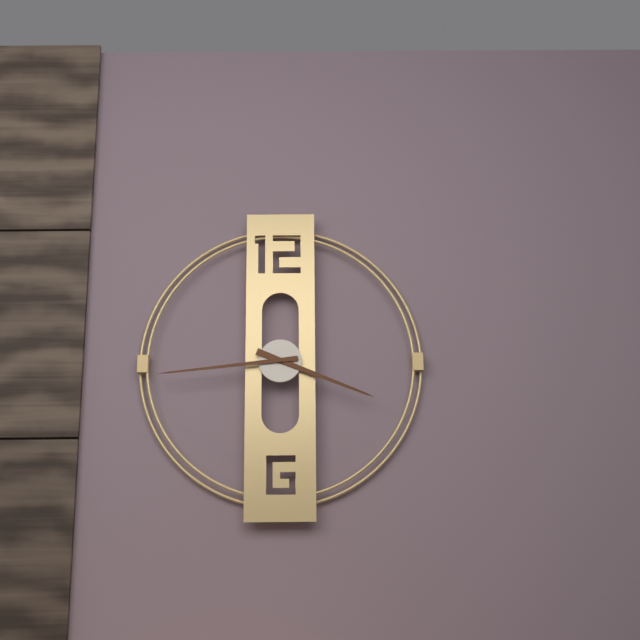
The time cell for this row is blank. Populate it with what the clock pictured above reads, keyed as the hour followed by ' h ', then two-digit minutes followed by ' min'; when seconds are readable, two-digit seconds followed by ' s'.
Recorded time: 3 h 44 min
